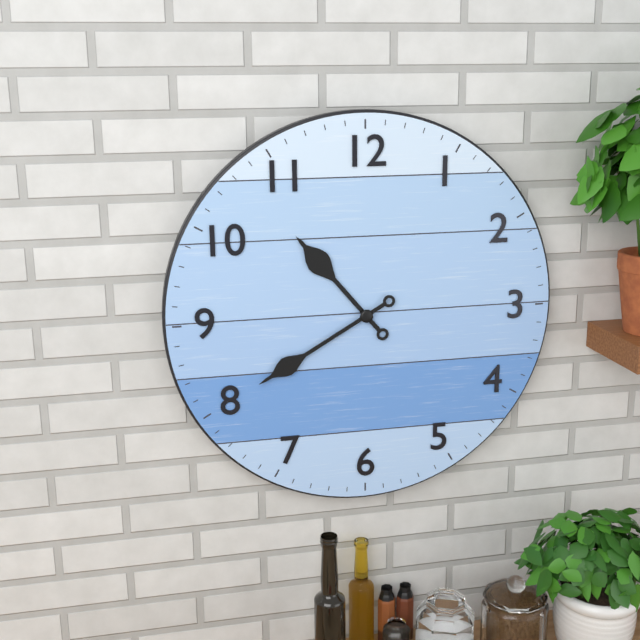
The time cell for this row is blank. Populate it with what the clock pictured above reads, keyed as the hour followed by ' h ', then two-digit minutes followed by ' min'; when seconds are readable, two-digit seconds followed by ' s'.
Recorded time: 10 h 40 min
